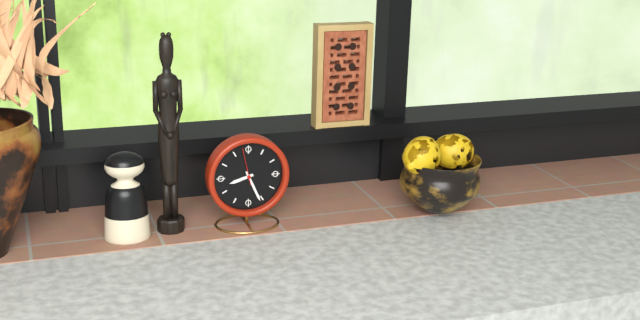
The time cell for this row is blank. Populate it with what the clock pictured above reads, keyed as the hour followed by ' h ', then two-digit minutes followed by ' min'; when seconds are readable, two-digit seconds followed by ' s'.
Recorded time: 8 h 26 min
